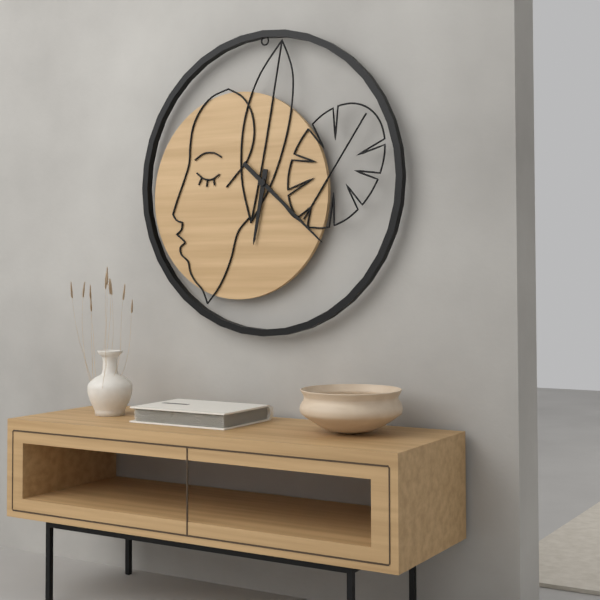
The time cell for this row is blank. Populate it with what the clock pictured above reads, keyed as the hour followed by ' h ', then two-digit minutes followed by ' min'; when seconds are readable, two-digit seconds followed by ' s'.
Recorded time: 6 h 22 min
